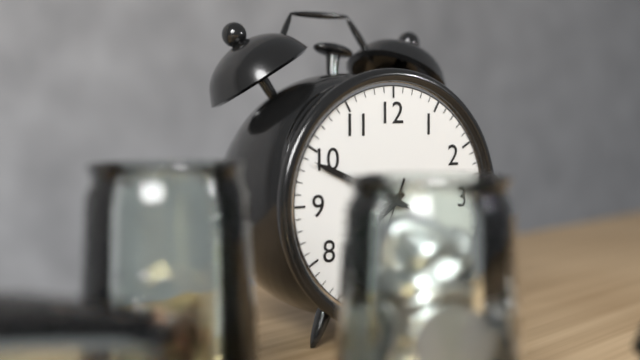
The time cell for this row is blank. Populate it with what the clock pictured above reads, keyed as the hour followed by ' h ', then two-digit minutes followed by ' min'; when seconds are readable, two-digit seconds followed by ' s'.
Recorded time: 7 h 49 min 34 s
